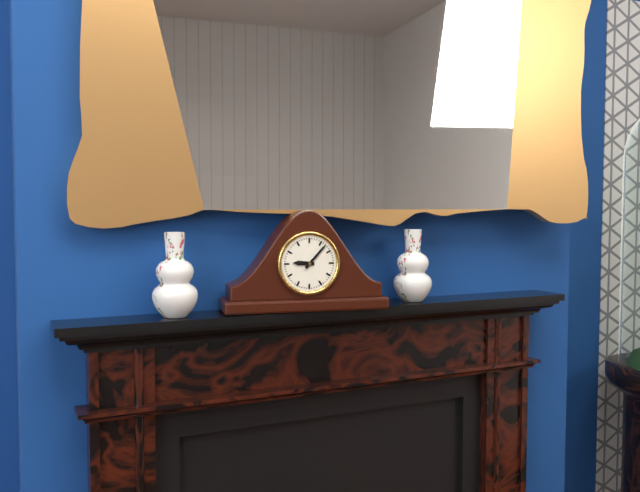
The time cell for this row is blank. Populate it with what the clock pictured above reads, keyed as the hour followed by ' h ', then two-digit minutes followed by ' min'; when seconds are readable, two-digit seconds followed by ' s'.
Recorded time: 9 h 07 min
